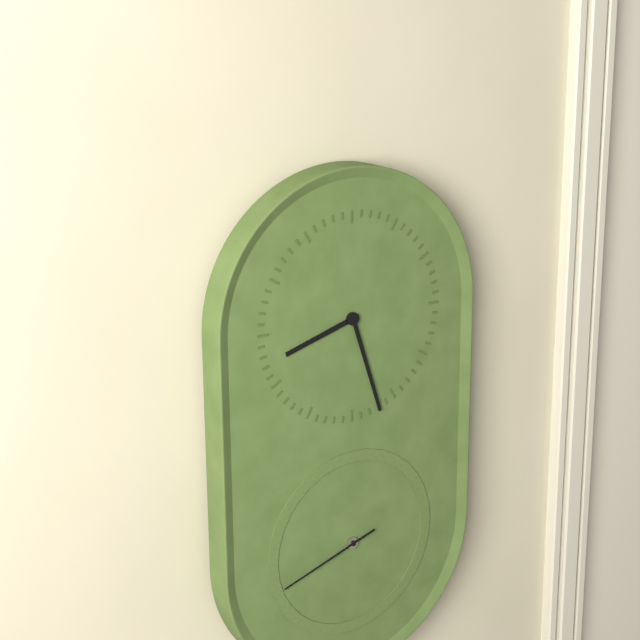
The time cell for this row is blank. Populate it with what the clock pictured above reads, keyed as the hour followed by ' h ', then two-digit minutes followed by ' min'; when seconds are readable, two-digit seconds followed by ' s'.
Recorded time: 8 h 27 min 42 s
